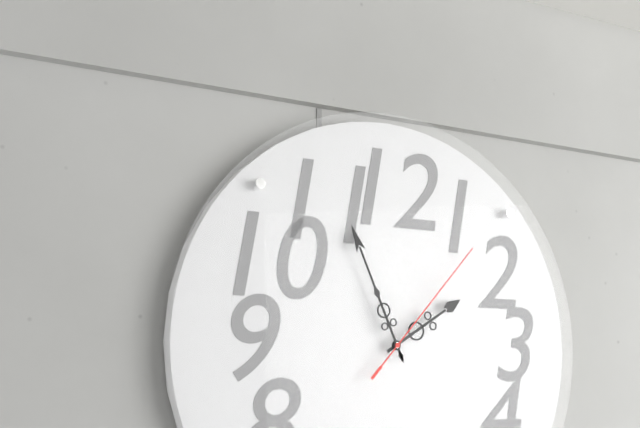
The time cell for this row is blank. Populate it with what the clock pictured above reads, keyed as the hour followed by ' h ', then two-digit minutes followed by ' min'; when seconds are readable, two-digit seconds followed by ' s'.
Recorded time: 1 h 56 min 07 s
